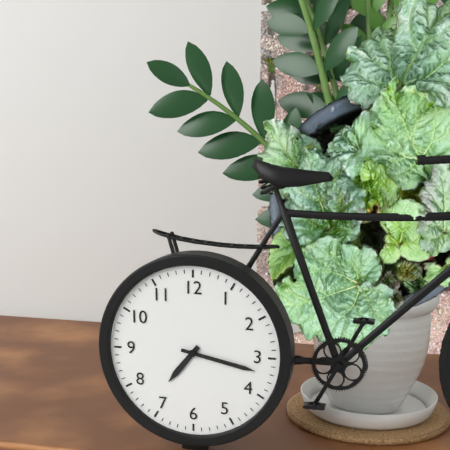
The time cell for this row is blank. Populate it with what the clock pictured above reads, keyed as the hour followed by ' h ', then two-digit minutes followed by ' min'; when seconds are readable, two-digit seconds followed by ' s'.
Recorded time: 7 h 17 min
